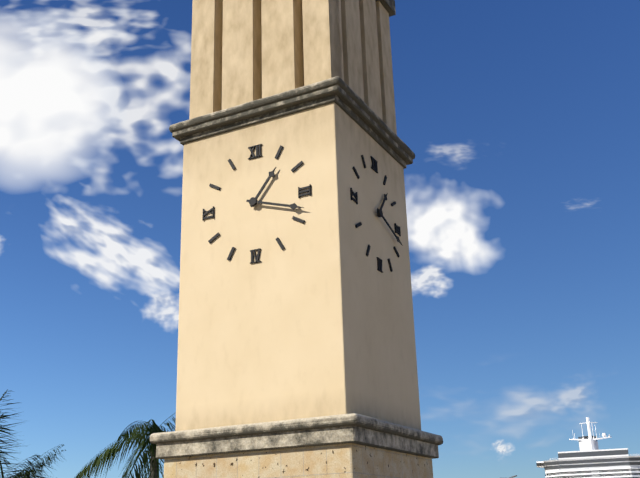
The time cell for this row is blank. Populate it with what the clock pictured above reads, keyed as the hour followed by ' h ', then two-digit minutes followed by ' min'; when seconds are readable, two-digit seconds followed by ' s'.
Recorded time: 1 h 18 min
